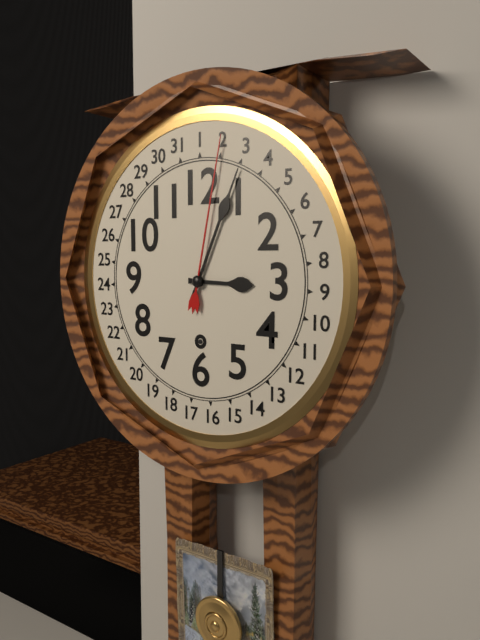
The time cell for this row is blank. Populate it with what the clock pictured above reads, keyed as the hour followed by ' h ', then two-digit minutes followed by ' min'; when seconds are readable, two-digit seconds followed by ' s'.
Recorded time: 3 h 04 min
